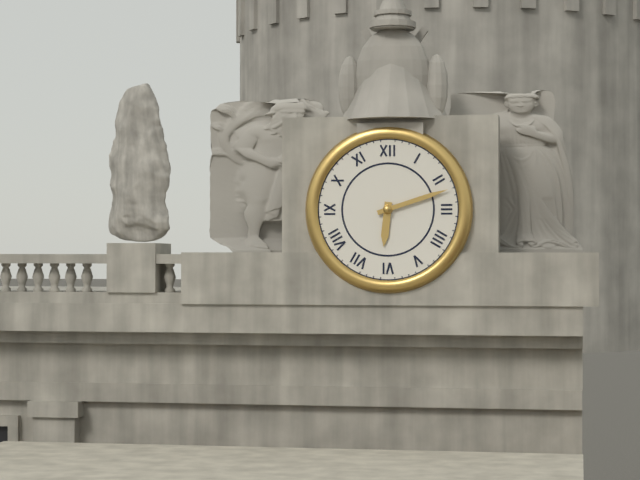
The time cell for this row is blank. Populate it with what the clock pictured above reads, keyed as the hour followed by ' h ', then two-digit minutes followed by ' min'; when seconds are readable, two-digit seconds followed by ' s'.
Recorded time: 6 h 12 min
